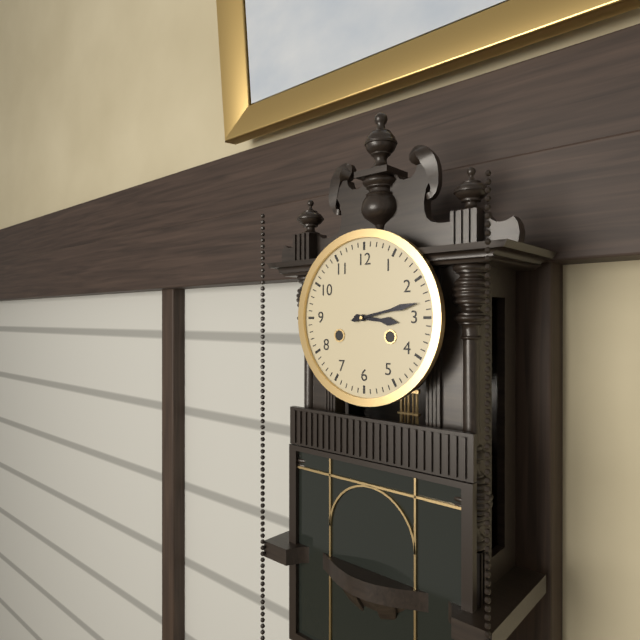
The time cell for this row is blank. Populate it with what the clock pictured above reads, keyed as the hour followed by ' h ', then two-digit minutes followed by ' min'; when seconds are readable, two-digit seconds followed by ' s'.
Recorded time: 3 h 13 min
